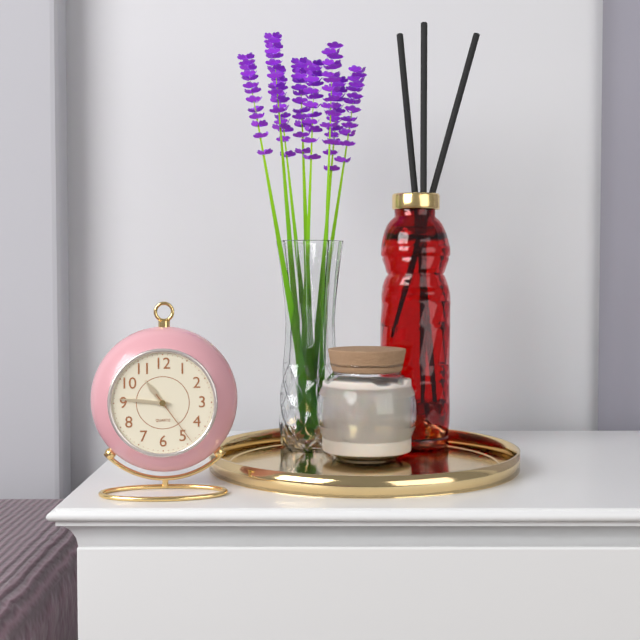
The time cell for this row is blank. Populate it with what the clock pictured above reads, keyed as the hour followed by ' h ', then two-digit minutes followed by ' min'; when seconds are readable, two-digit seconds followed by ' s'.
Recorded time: 10 h 46 min 24 s
